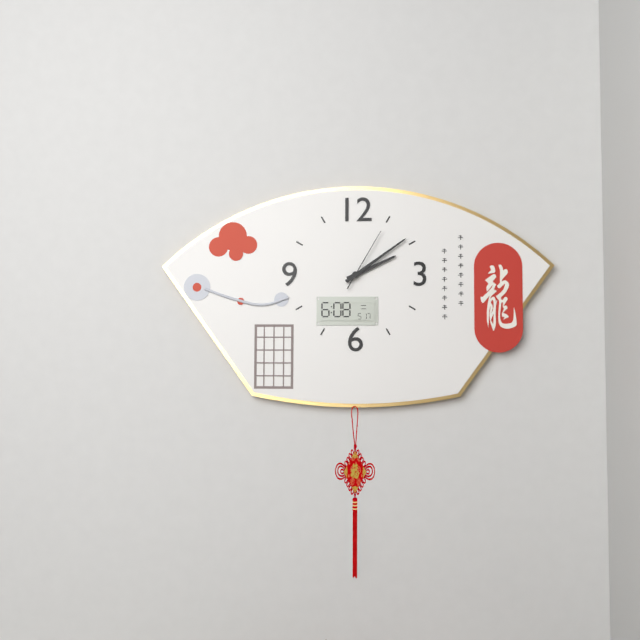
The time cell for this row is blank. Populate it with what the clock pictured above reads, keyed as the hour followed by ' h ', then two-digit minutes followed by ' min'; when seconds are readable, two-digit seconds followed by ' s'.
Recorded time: 2 h 09 min 05 s
